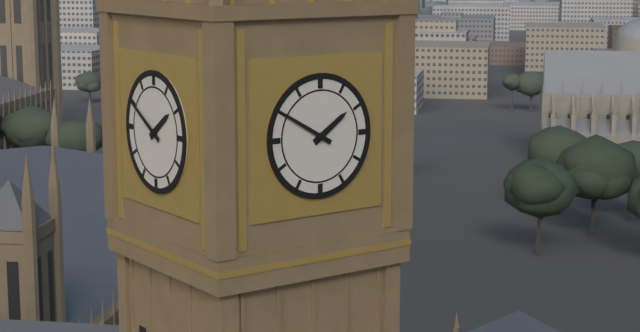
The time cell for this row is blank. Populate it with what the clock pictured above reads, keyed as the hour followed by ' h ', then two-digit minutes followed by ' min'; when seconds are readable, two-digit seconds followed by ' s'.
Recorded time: 1 h 50 min
